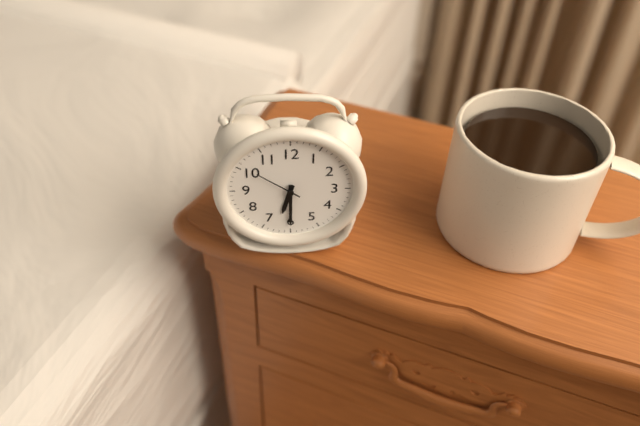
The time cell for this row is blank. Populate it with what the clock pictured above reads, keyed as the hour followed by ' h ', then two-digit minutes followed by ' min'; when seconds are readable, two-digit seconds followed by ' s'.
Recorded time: 6 h 30 min
